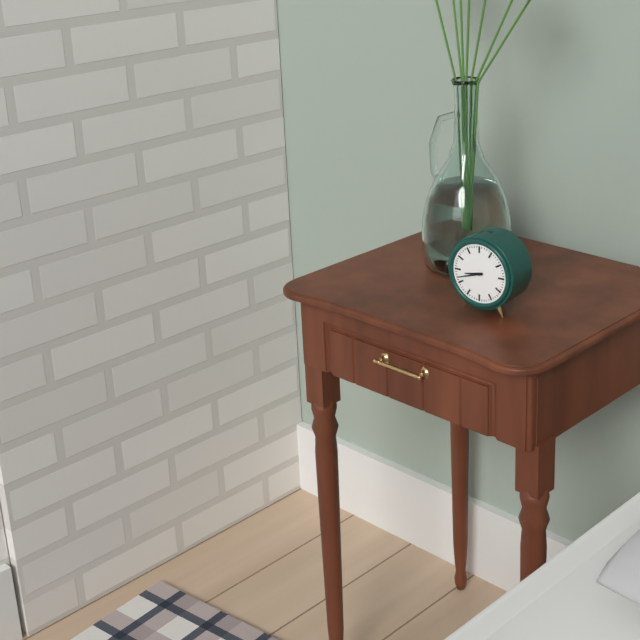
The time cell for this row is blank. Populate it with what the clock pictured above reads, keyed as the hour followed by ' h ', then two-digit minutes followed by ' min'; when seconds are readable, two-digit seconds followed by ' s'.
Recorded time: 8 h 42 min
